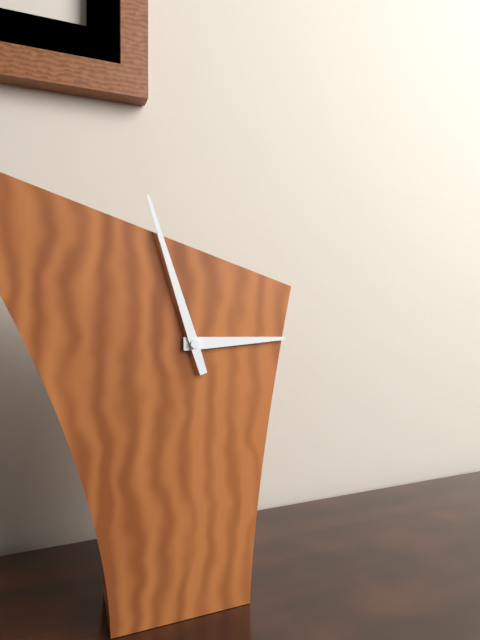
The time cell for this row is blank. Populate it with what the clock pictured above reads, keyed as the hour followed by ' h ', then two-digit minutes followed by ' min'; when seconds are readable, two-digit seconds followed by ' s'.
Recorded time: 2 h 57 min
